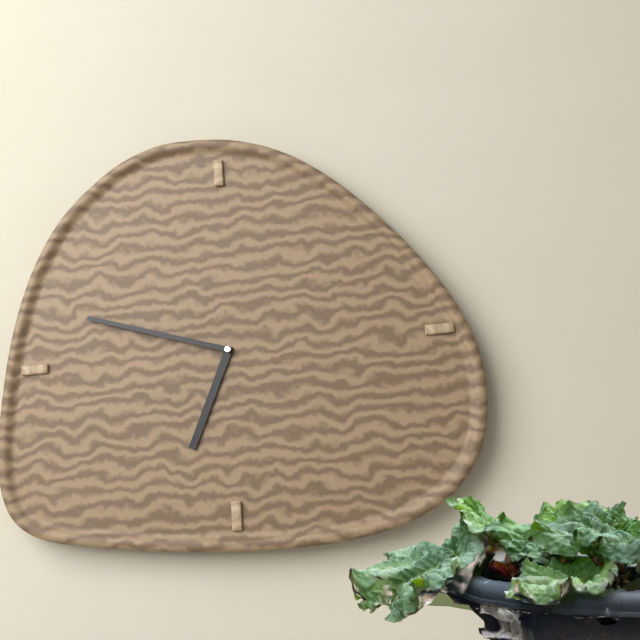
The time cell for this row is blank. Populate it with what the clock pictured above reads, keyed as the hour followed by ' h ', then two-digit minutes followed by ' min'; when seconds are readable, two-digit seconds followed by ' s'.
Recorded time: 6 h 48 min
